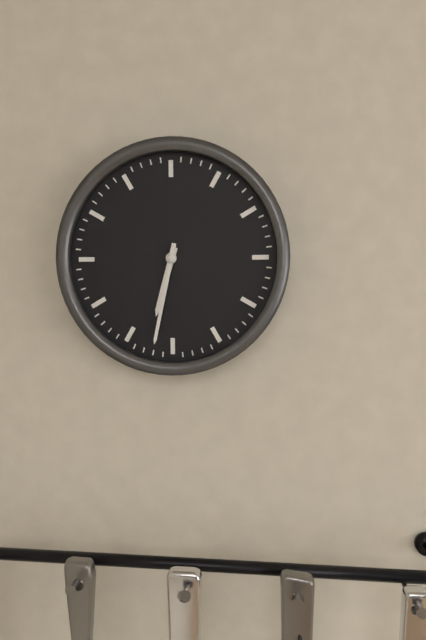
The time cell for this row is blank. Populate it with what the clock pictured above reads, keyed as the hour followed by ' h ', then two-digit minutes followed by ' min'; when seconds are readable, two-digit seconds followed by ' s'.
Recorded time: 6 h 32 min
